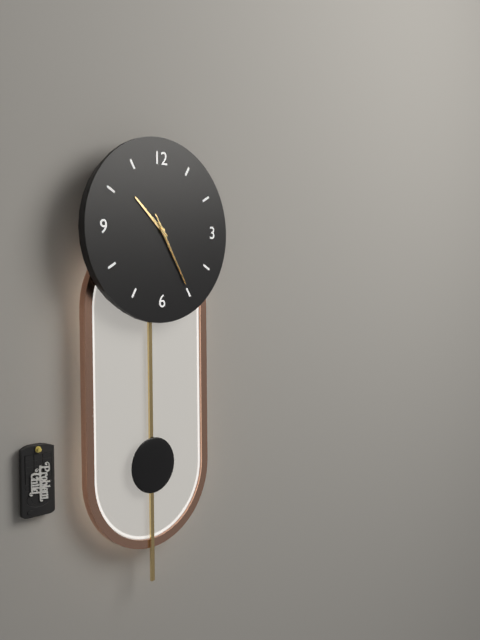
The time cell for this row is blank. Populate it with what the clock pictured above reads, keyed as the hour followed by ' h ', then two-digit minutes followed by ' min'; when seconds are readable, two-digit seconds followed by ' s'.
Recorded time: 10 h 25 min 25 s
